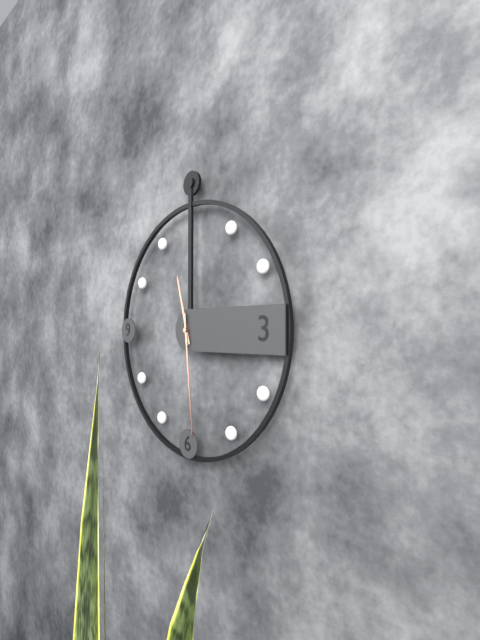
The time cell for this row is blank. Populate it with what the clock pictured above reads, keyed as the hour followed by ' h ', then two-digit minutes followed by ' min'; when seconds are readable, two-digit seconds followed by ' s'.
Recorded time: 11 h 29 min
